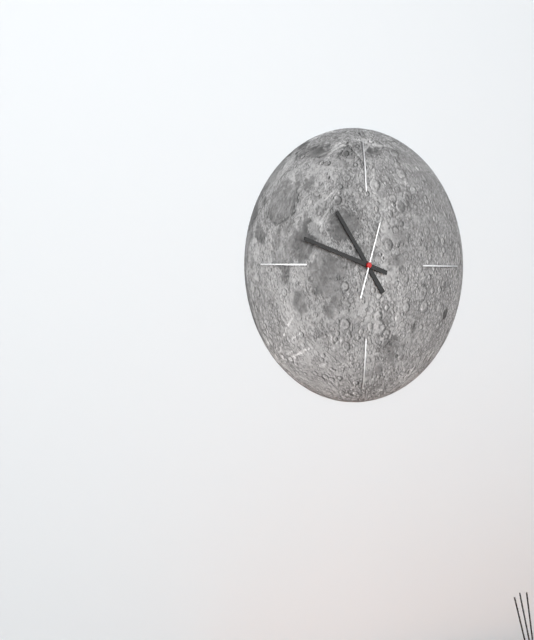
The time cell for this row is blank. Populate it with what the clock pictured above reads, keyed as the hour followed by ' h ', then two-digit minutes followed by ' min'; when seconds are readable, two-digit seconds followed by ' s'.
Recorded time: 10 h 48 min 03 s
